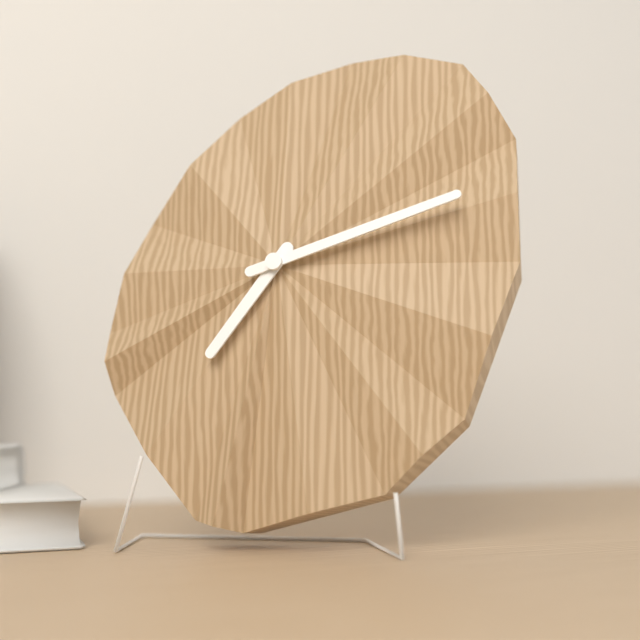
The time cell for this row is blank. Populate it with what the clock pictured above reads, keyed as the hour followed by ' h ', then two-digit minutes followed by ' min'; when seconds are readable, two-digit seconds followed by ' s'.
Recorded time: 7 h 12 min
